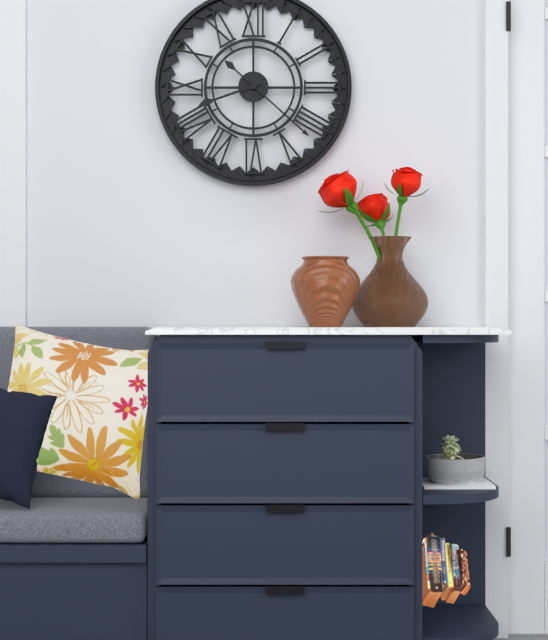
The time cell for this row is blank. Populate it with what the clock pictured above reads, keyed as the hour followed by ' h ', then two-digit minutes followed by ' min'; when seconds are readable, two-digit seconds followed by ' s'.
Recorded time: 8 h 22 min
